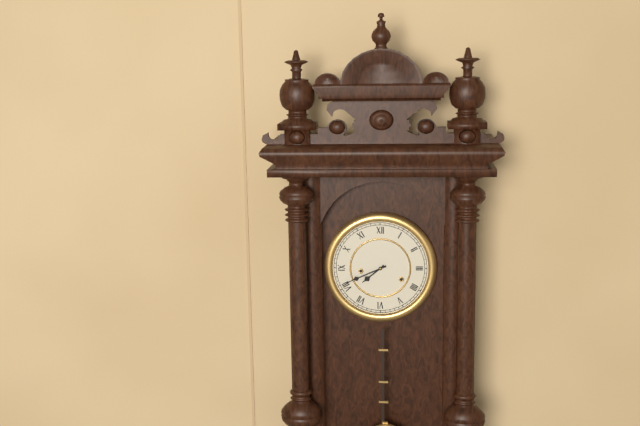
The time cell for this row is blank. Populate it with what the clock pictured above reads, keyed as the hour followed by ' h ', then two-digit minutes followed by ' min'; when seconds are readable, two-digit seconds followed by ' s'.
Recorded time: 7 h 41 min
